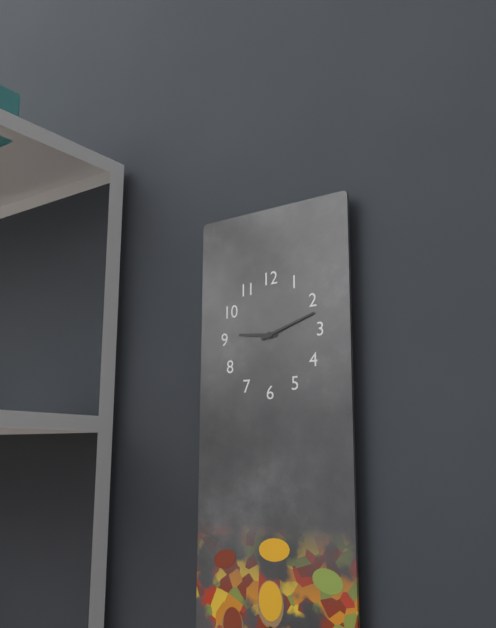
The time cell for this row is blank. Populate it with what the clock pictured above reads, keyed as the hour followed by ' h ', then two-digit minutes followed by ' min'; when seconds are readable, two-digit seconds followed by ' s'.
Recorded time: 9 h 12 min
